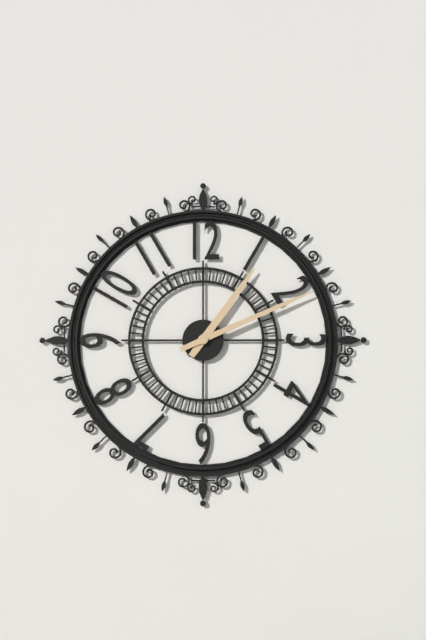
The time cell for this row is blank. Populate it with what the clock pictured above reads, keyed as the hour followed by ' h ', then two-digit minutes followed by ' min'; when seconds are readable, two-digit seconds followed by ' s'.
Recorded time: 1 h 11 min
